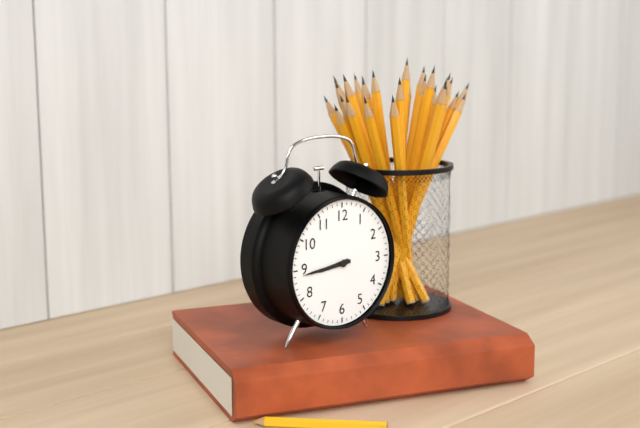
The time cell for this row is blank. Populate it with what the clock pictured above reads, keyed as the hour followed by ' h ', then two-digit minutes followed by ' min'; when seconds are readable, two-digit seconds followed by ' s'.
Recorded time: 8 h 44 min
